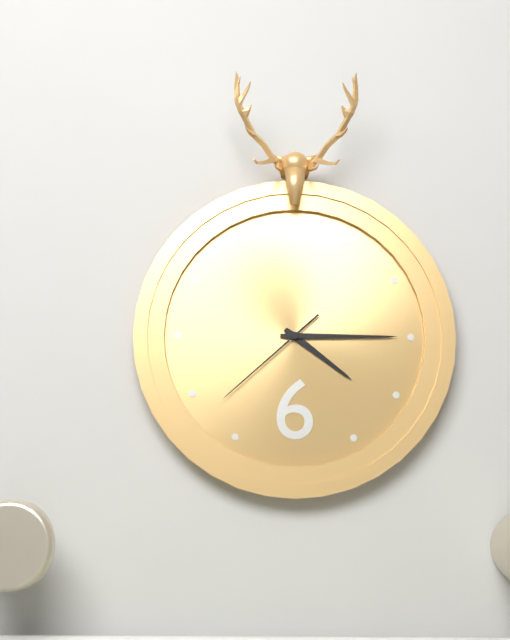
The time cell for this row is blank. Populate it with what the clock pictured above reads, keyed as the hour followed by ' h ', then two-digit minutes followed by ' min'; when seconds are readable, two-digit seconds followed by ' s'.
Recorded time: 4 h 15 min 38 s
